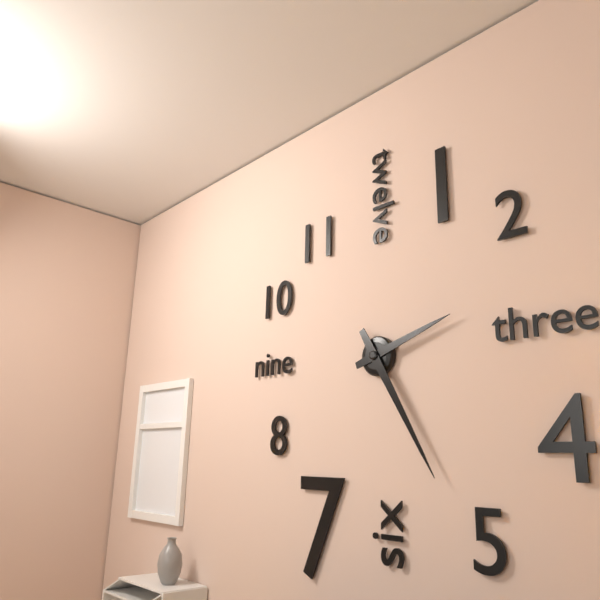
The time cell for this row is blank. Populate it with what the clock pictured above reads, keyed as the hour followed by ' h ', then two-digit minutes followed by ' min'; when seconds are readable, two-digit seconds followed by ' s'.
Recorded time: 2 h 25 min
